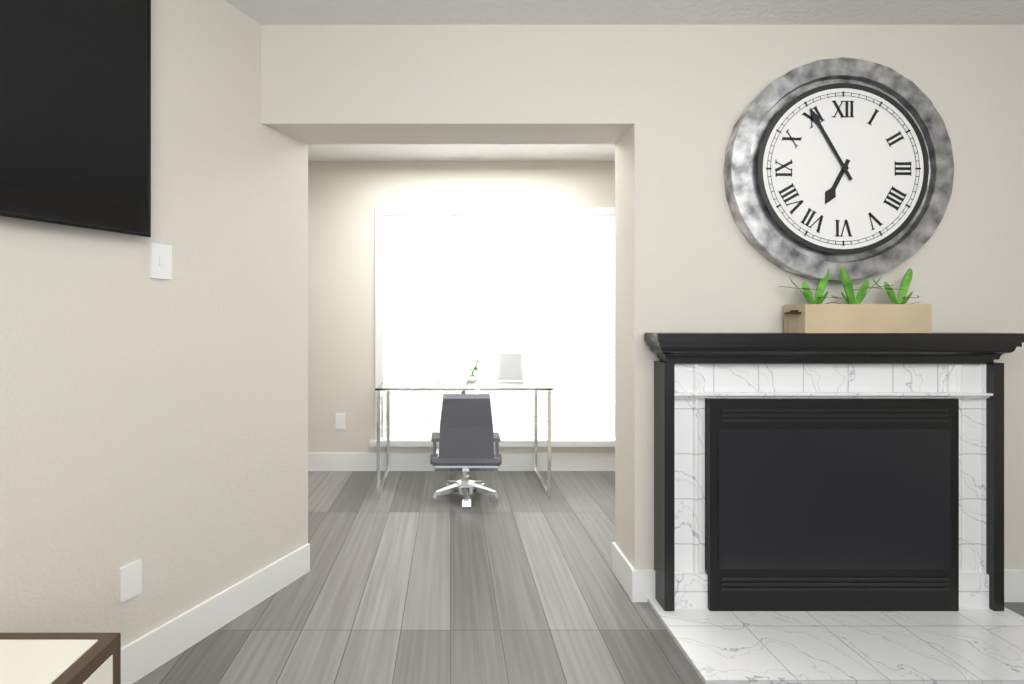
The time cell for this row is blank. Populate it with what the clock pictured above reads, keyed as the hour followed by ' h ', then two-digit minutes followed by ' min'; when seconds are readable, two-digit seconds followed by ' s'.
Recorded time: 6 h 55 min
